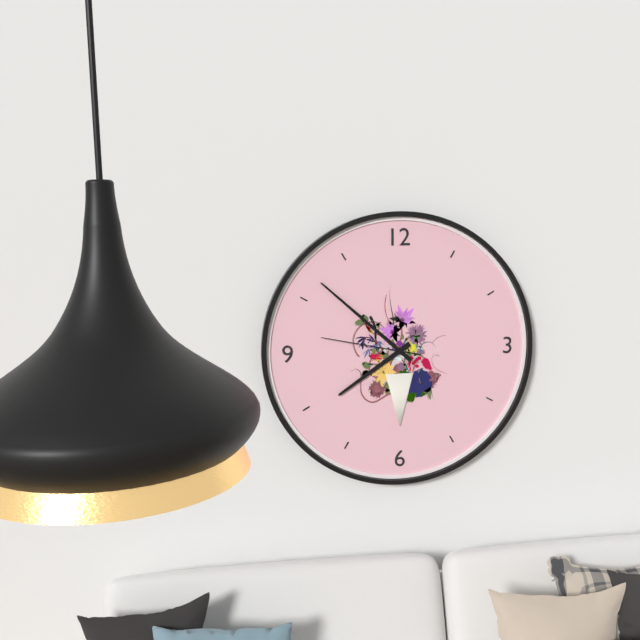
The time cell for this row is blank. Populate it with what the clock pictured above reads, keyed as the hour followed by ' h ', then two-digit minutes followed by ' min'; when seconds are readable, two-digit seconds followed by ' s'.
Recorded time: 7 h 52 min 47 s
